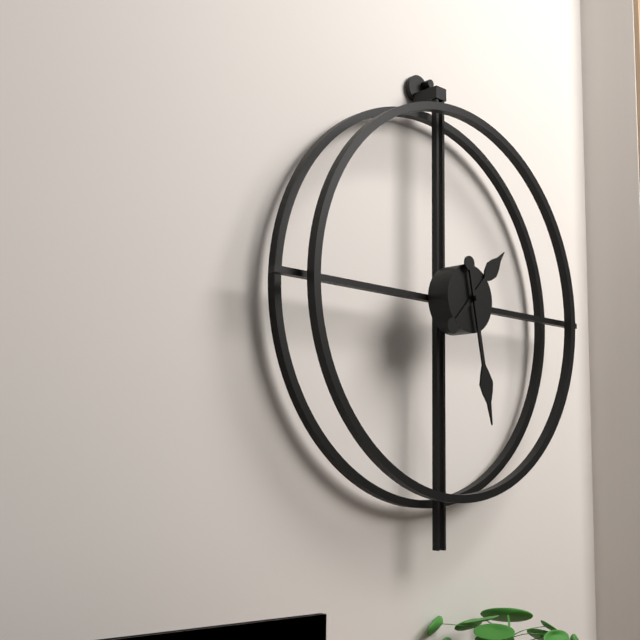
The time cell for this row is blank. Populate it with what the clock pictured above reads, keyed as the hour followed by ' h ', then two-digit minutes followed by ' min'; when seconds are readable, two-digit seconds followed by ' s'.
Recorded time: 1 h 28 min
